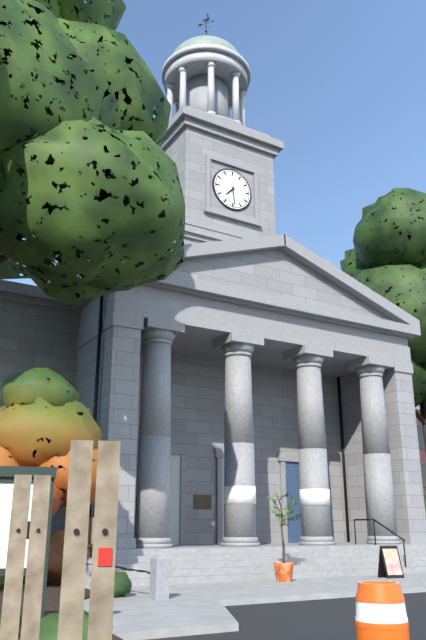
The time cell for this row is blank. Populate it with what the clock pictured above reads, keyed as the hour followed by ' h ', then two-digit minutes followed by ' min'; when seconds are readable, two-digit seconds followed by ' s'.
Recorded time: 7 h 29 min
